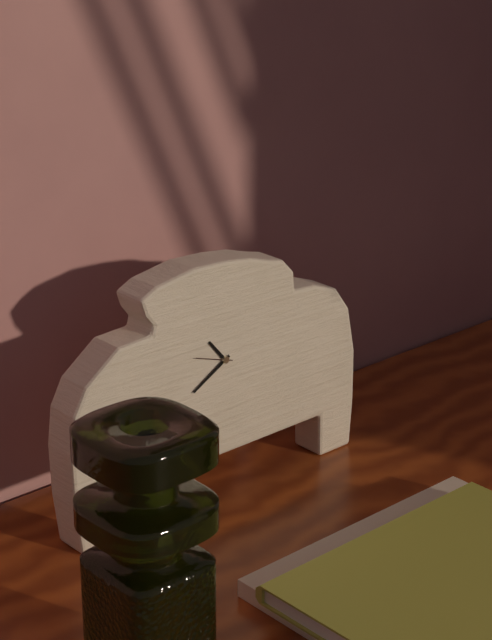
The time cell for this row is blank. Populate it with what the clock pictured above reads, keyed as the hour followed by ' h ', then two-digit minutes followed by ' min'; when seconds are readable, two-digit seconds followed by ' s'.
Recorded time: 10 h 40 min
